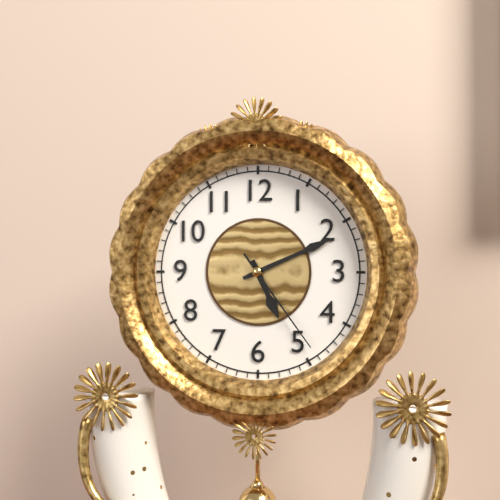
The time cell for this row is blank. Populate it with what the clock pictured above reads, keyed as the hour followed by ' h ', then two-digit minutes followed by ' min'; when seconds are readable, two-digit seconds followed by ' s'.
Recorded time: 5 h 11 min 24 s
